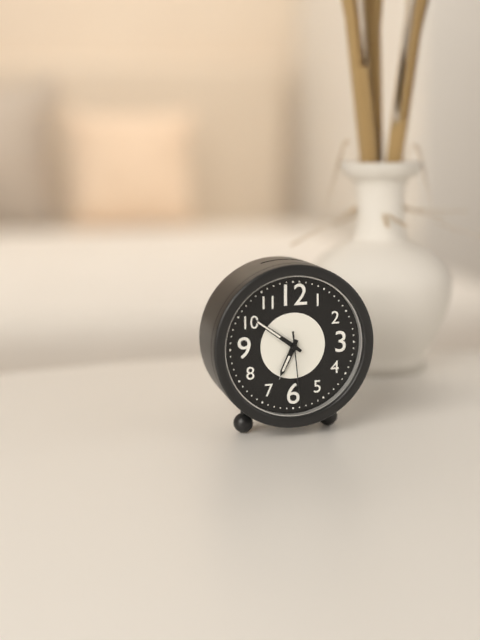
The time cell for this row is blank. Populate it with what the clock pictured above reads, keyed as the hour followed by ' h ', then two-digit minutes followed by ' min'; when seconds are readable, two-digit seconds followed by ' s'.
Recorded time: 6 h 51 min 29 s
